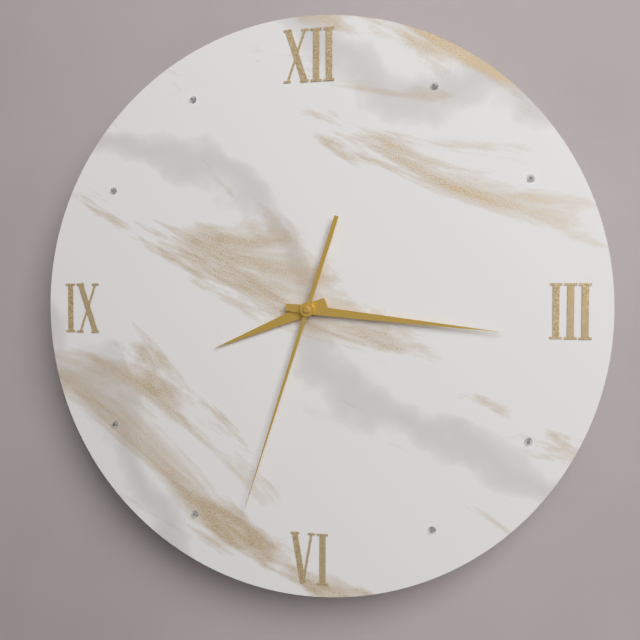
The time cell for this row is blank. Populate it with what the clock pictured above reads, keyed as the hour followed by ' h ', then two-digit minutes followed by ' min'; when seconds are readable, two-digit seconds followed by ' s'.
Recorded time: 8 h 16 min 33 s
